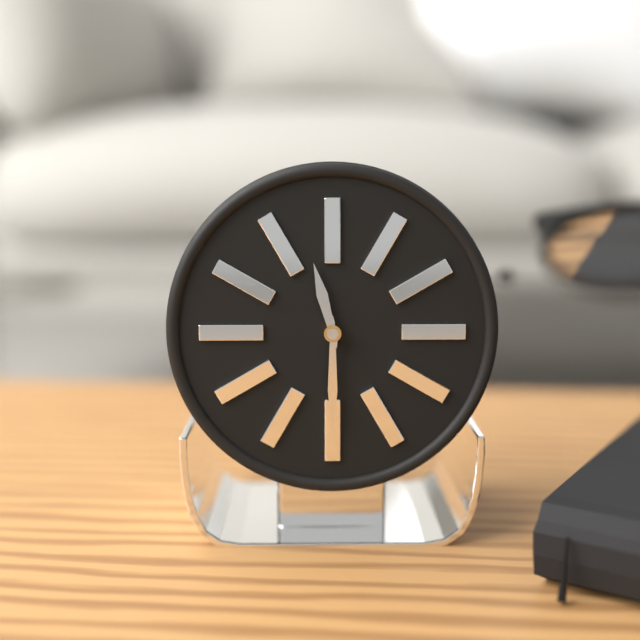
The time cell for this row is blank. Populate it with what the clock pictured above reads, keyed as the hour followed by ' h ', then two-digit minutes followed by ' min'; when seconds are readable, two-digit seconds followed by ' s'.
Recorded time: 11 h 30 min
